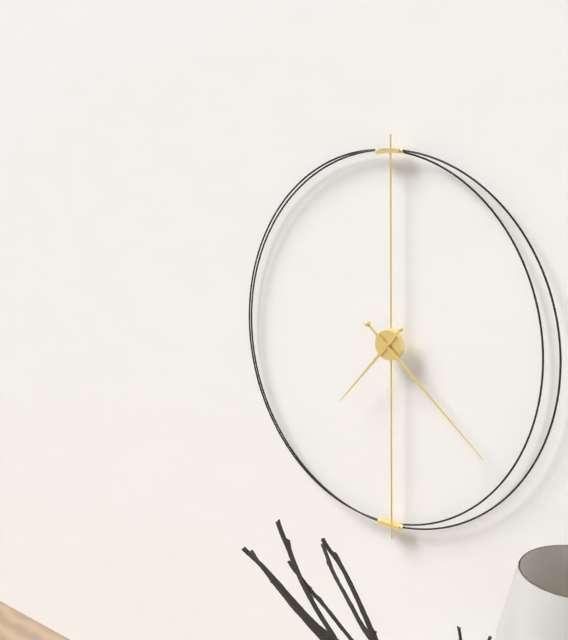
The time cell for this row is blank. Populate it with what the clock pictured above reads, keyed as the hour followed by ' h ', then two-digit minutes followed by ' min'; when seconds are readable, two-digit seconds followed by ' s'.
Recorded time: 7 h 22 min
